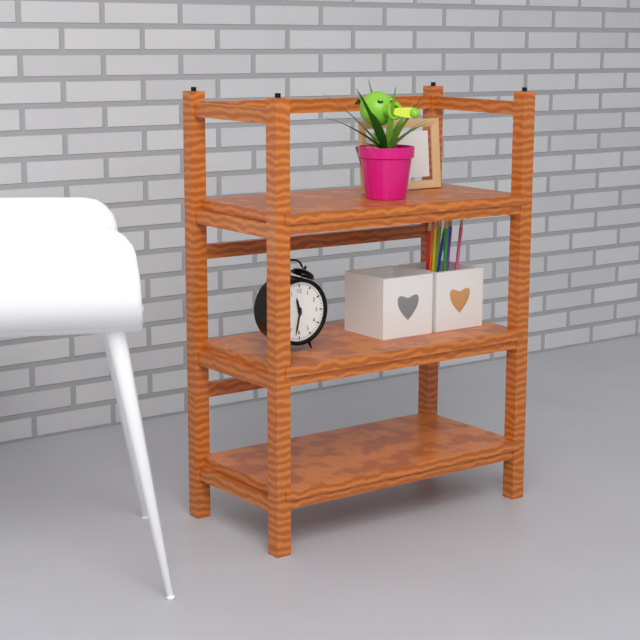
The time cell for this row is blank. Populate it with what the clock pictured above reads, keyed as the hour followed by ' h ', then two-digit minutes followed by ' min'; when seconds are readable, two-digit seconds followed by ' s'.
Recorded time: 11 h 32 min
